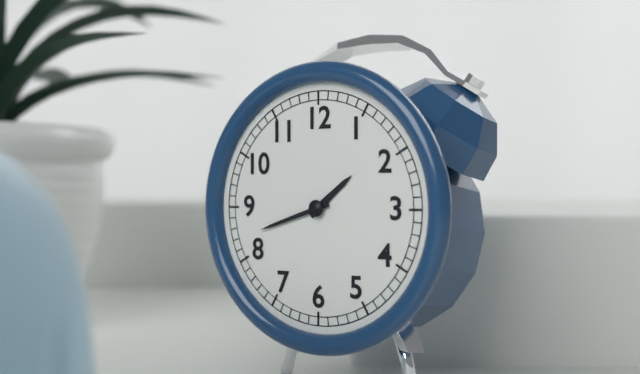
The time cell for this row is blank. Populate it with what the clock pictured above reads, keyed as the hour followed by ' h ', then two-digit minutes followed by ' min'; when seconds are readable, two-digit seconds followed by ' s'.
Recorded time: 1 h 42 min
